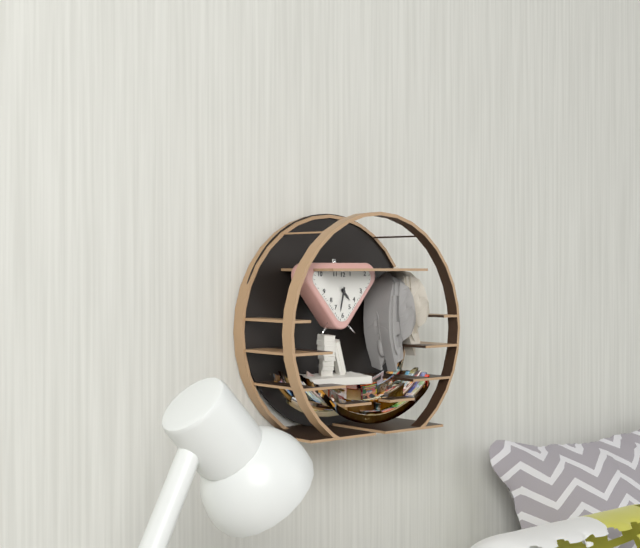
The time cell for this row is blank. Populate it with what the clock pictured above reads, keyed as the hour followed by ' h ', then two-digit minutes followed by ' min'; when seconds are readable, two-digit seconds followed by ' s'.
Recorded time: 4 h 32 min
